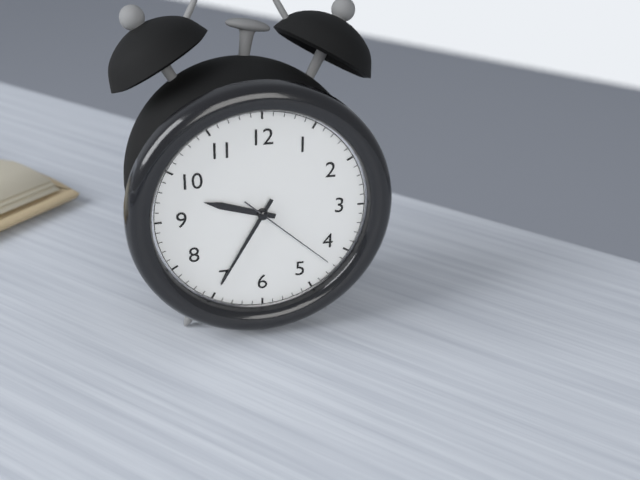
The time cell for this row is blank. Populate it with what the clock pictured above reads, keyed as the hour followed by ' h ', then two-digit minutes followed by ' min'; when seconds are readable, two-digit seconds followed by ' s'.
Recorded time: 9 h 35 min 22 s
